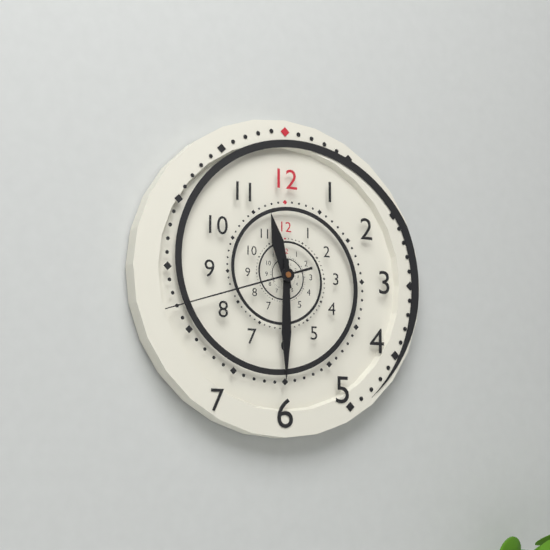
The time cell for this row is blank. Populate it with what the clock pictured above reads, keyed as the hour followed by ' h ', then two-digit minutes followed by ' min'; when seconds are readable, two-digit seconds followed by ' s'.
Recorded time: 11 h 30 min 42 s
